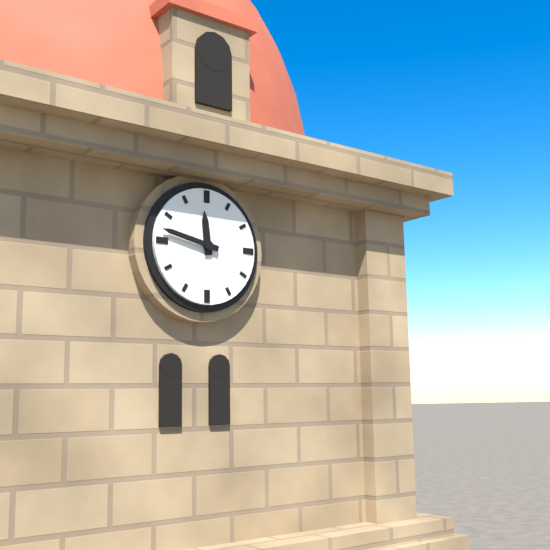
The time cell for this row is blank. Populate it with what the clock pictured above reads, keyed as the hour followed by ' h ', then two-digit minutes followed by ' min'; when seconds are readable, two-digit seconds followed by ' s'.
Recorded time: 11 h 47 min
